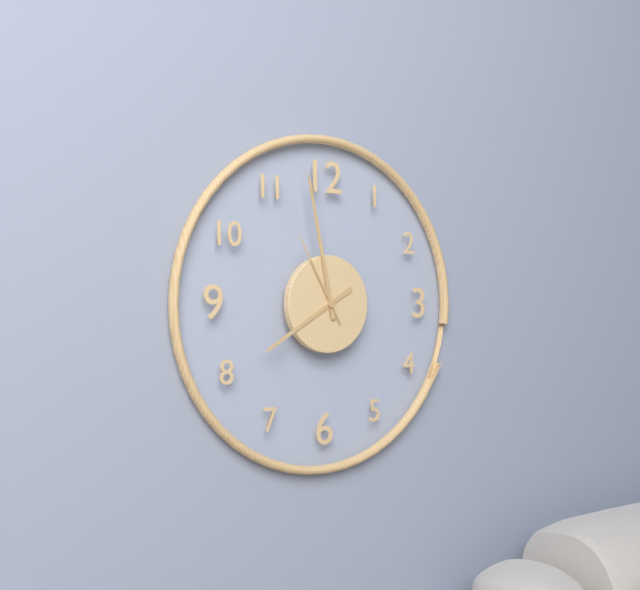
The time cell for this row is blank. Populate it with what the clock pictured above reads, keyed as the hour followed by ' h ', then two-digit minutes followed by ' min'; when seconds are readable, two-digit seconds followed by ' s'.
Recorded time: 7 h 58 min 55 s
